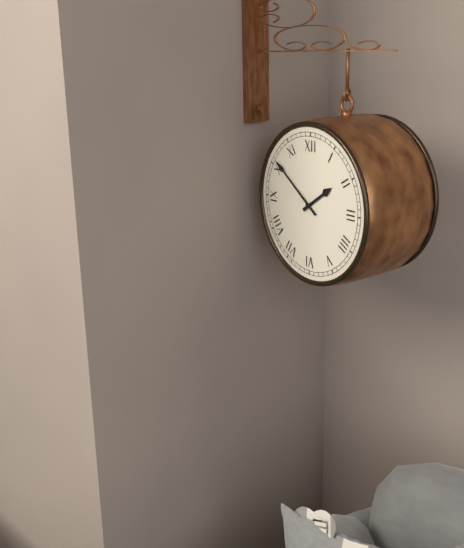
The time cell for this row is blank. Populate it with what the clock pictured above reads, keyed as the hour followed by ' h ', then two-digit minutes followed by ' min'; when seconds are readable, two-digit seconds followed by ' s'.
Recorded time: 1 h 51 min
